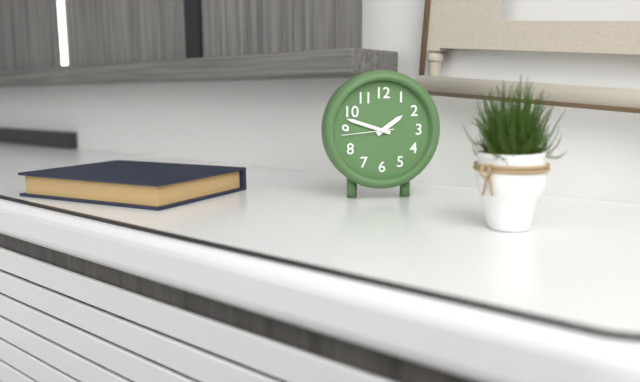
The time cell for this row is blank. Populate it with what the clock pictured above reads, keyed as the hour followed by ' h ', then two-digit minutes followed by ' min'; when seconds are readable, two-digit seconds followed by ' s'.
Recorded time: 1 h 48 min 44 s
